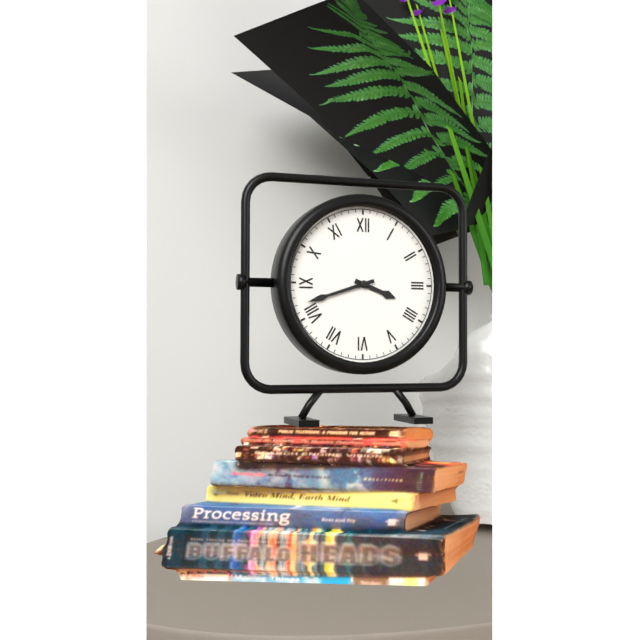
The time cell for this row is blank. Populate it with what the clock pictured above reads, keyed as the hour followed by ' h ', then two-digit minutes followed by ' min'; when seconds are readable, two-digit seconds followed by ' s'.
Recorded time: 3 h 42 min
